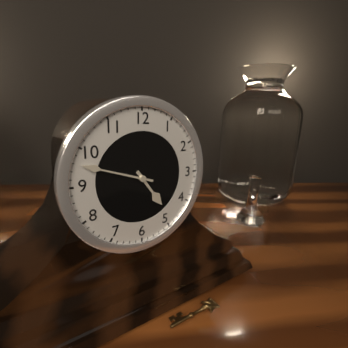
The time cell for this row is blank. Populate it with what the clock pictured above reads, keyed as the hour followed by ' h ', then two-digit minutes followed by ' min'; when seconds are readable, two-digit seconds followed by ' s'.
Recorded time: 4 h 48 min
